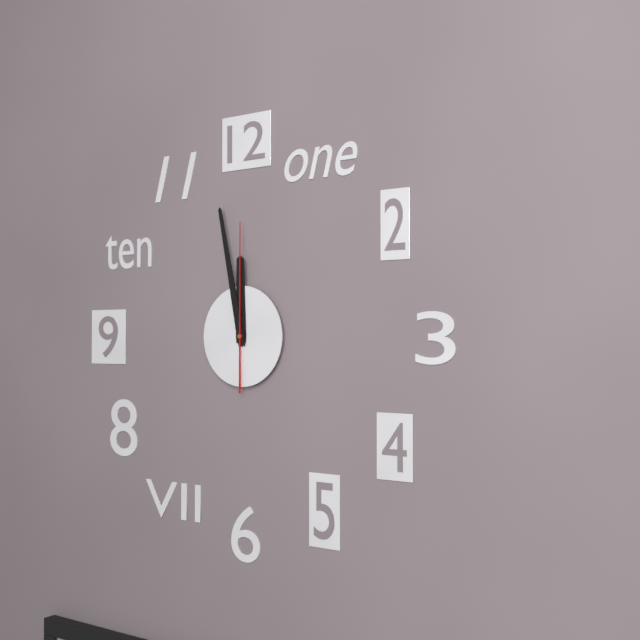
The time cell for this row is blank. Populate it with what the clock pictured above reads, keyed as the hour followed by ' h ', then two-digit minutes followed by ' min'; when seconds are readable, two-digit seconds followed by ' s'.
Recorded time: 11 h 58 min 00 s
